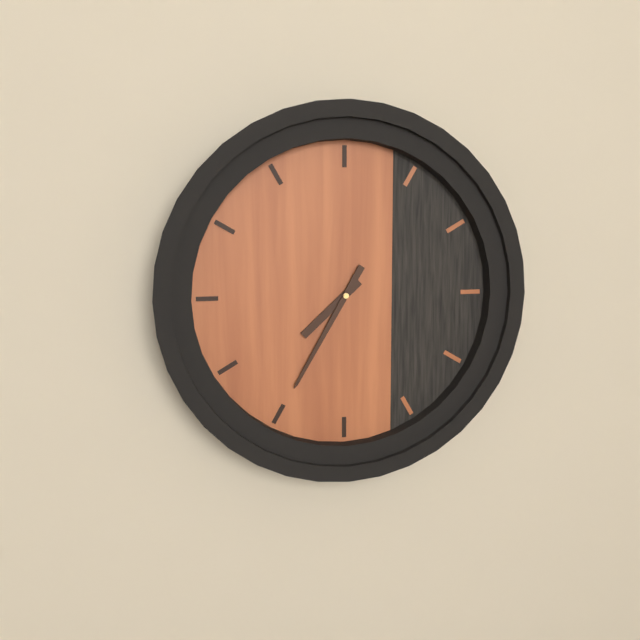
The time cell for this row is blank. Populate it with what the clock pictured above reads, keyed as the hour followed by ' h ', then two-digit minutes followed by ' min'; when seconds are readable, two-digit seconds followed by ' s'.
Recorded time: 7 h 35 min
